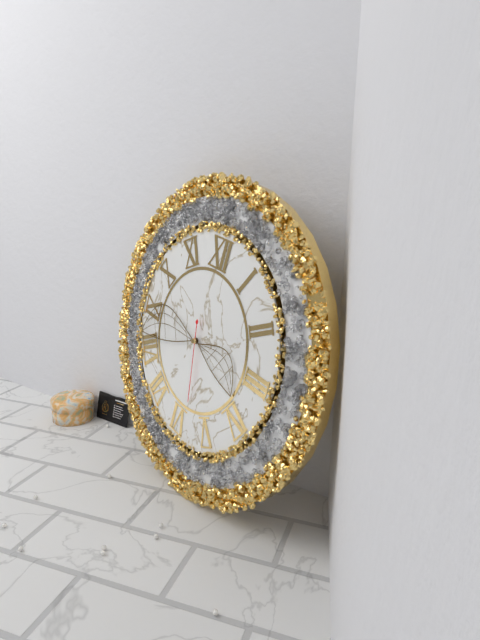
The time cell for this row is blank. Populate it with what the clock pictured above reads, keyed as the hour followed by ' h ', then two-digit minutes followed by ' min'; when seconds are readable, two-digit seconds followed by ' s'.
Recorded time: 3 h 42 min 28 s
